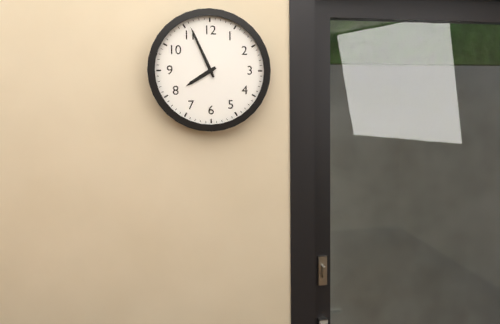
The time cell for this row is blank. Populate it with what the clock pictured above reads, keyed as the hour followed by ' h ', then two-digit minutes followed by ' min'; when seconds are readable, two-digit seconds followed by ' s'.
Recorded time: 7 h 56 min
